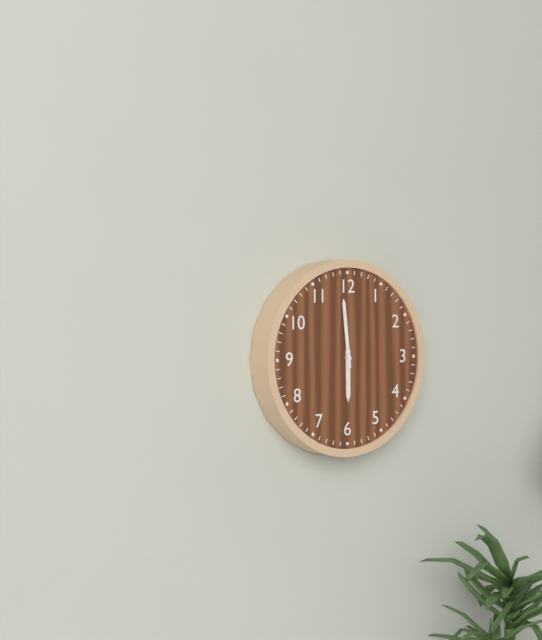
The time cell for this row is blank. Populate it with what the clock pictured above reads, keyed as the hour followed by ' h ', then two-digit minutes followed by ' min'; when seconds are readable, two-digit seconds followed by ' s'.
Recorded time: 5 h 59 min
